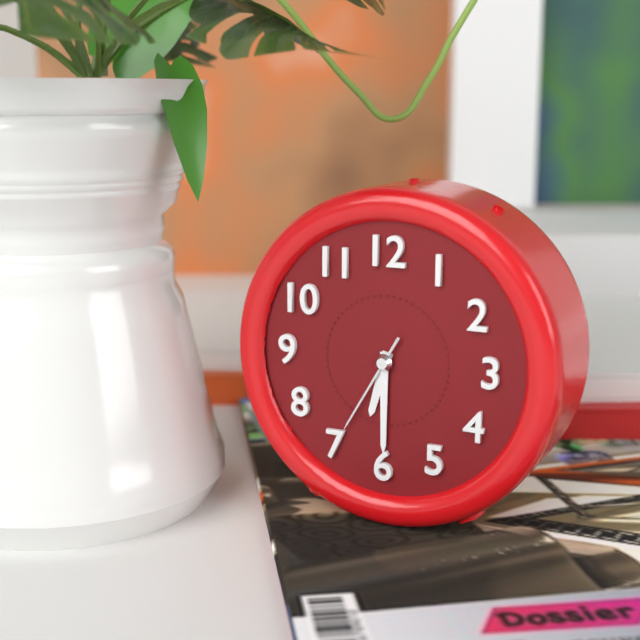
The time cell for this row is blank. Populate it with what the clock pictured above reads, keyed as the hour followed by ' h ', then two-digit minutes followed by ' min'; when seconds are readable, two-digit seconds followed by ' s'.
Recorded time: 6 h 30 min 35 s
